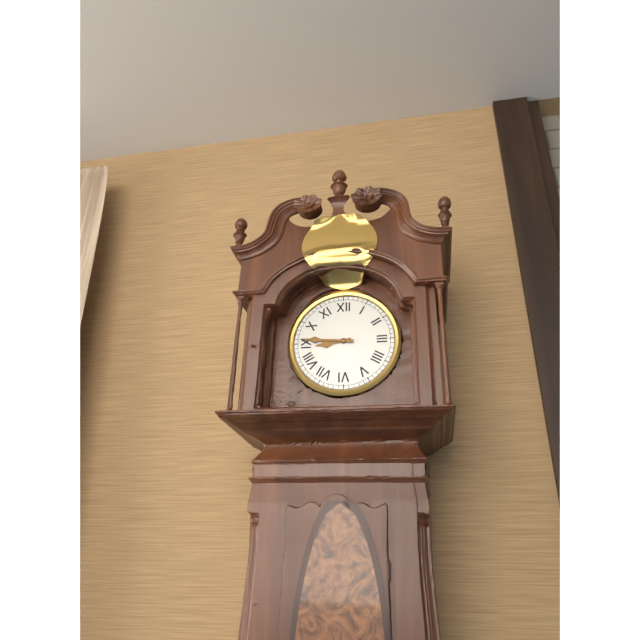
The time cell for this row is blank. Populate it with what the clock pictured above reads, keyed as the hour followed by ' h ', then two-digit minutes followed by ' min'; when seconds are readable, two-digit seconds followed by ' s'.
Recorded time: 8 h 46 min
